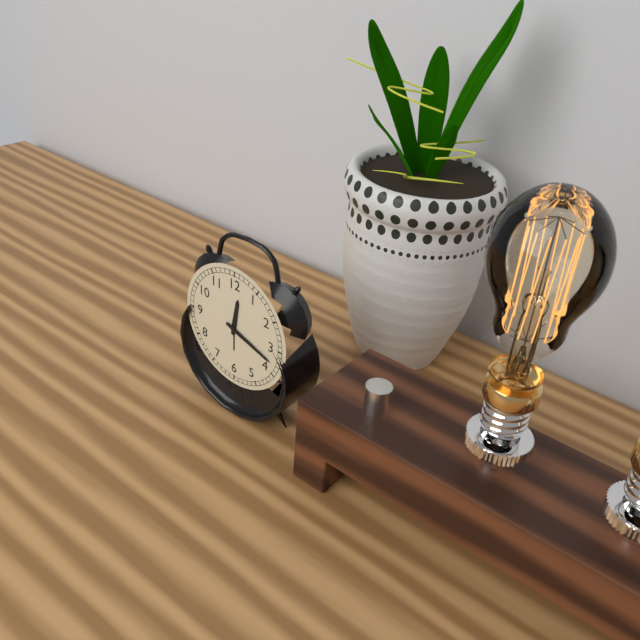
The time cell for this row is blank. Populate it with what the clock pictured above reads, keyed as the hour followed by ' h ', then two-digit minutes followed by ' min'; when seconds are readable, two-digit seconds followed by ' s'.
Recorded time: 12 h 18 min
